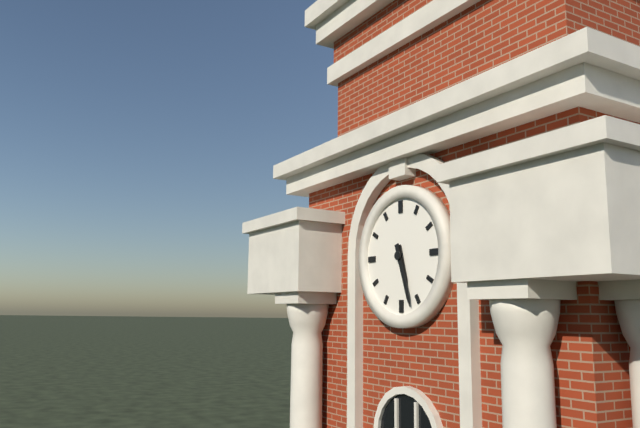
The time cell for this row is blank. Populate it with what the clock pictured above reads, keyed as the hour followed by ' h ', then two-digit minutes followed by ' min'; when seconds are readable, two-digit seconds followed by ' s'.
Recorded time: 5 h 27 min
